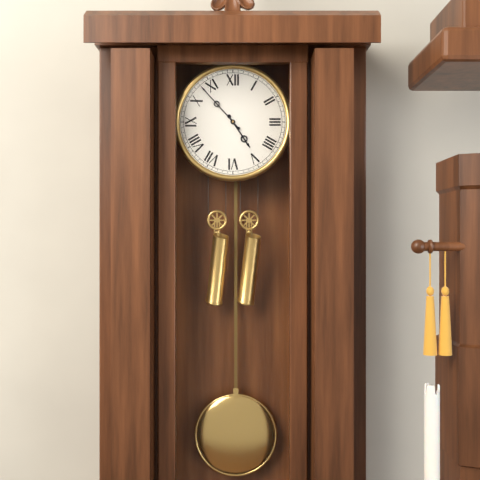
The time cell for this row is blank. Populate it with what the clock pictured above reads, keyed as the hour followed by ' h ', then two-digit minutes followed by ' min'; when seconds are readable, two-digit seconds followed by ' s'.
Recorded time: 4 h 53 min
